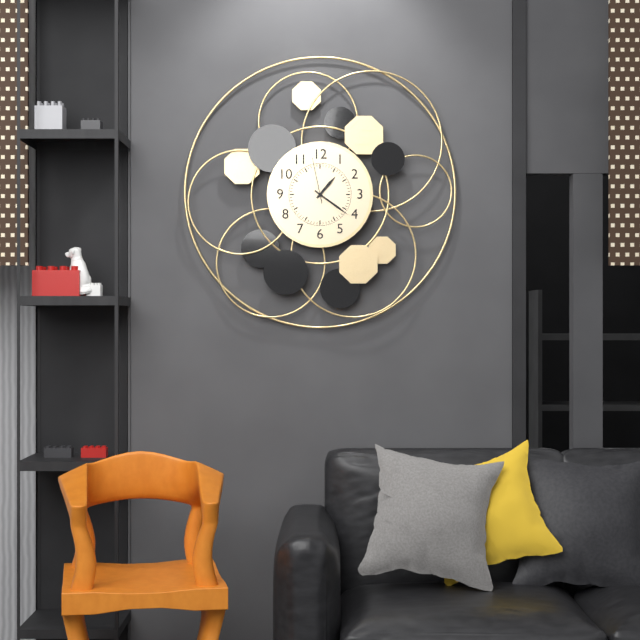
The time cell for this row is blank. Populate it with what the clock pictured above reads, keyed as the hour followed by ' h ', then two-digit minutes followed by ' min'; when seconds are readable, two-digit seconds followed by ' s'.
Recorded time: 1 h 21 min
